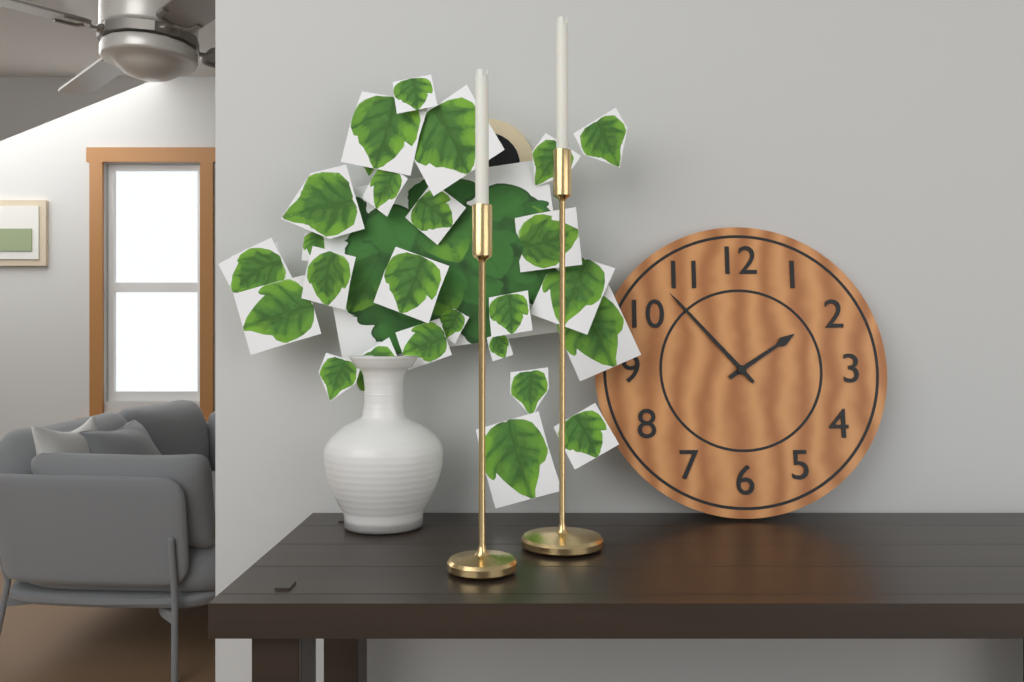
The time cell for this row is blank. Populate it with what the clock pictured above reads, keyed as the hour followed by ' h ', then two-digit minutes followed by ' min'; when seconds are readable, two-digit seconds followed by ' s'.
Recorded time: 1 h 53 min
